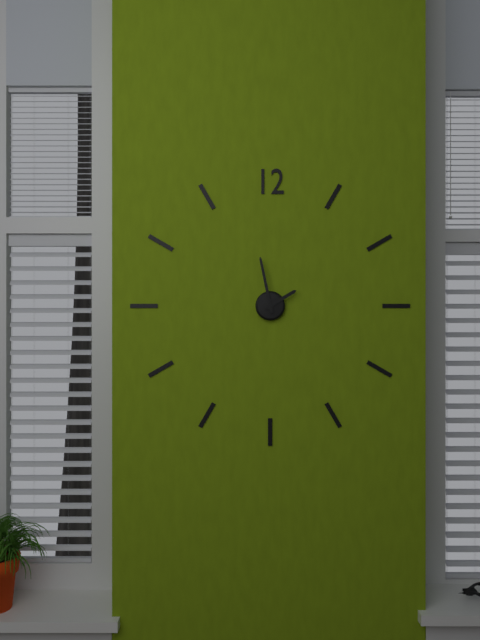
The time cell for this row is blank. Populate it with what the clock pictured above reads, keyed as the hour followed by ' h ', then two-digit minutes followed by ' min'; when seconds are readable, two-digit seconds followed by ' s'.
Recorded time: 1 h 58 min
